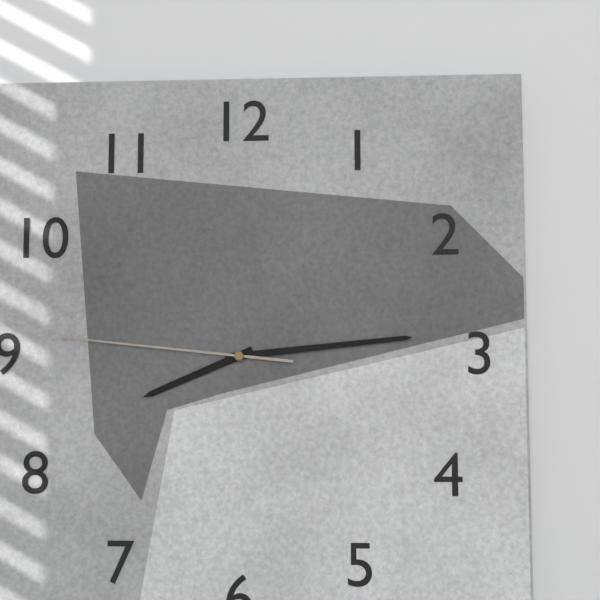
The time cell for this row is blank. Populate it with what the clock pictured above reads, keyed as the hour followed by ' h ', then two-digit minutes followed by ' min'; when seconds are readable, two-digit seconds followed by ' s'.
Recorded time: 8 h 14 min 46 s
